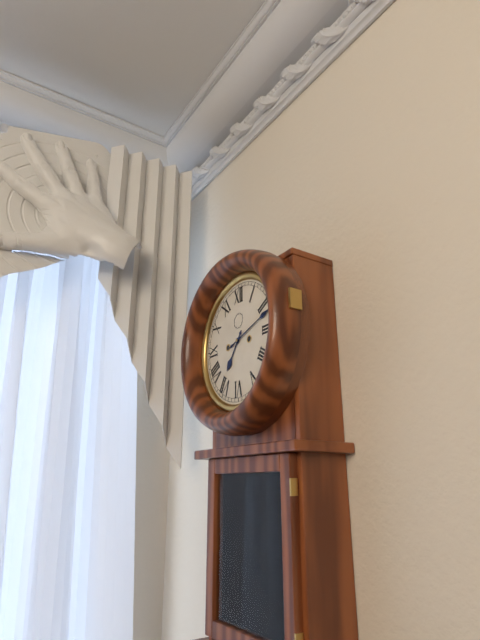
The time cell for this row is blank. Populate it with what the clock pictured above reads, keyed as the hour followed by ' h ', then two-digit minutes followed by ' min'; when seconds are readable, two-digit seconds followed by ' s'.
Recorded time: 7 h 12 min
